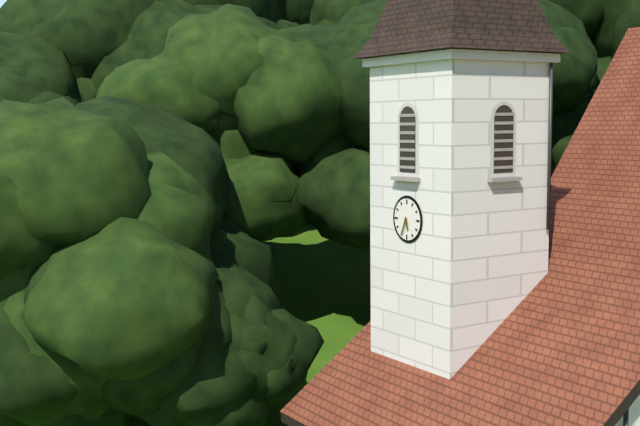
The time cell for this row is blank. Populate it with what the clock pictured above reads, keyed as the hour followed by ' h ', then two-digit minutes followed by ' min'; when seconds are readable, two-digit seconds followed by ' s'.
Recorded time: 5 h 34 min
